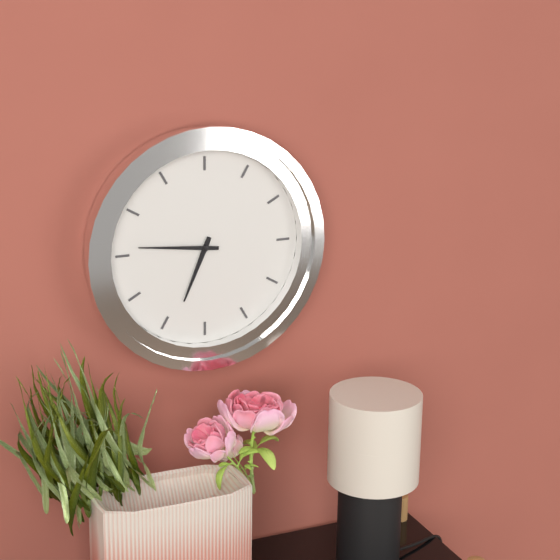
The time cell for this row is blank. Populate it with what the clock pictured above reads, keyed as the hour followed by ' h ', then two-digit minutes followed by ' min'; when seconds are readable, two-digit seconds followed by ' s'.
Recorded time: 6 h 46 min
